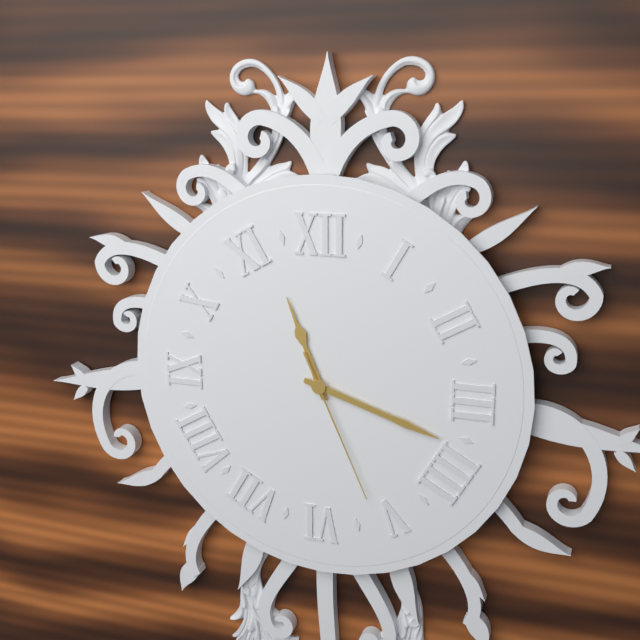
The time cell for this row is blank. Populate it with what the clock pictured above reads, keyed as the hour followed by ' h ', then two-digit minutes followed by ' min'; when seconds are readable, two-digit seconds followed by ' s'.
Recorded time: 11 h 18 min 26 s
